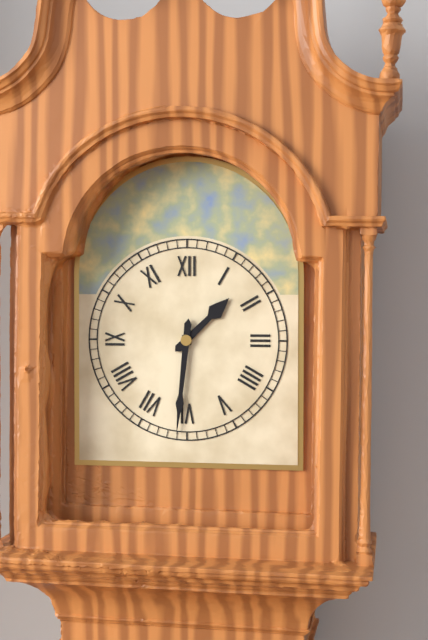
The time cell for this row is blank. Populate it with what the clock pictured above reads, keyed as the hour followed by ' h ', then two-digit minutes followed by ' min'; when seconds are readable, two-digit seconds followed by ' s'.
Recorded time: 1 h 31 min
